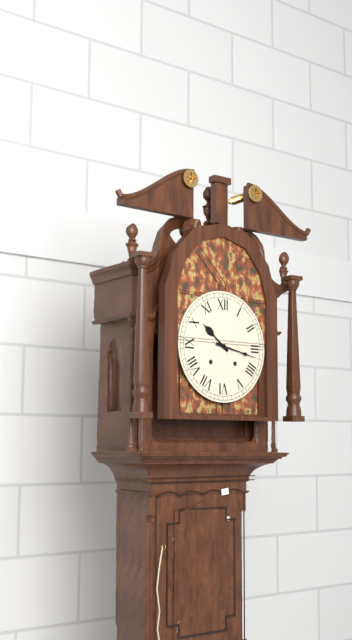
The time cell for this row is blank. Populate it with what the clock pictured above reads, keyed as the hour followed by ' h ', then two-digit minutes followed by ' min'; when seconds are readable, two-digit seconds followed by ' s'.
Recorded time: 10 h 17 min
